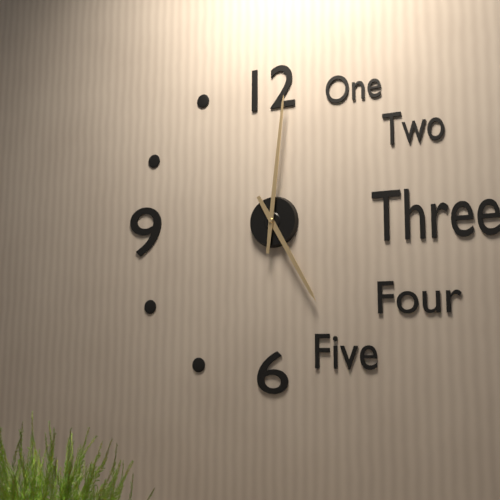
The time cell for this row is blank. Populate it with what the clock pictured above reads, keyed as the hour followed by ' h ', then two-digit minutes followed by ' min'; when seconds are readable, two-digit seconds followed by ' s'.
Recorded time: 5 h 01 min
